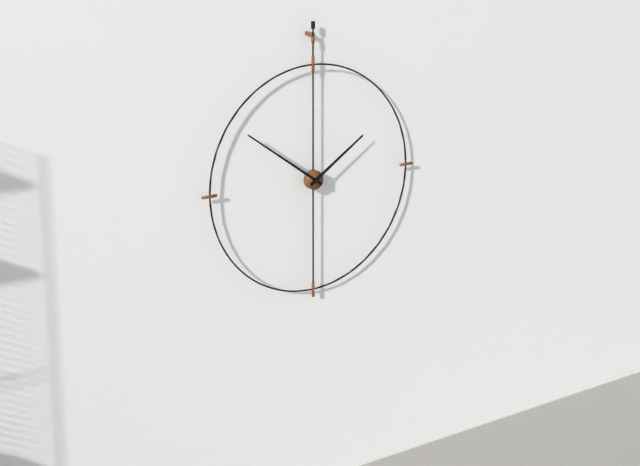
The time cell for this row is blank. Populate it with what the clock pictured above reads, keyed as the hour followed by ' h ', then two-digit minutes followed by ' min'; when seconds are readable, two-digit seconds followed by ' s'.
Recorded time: 1 h 51 min
